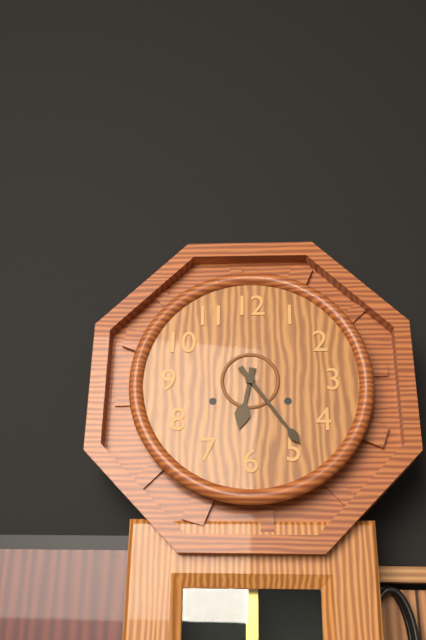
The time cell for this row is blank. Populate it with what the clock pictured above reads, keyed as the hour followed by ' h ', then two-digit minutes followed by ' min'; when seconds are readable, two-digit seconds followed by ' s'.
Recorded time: 6 h 24 min
